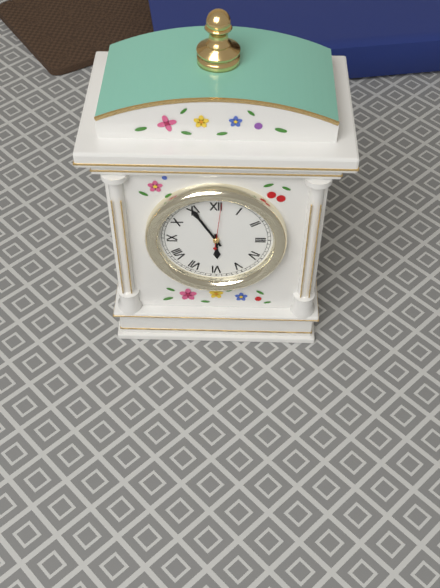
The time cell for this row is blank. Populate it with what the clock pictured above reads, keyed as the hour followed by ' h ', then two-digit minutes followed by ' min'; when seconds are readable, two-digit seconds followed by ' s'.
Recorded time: 5 h 55 min
